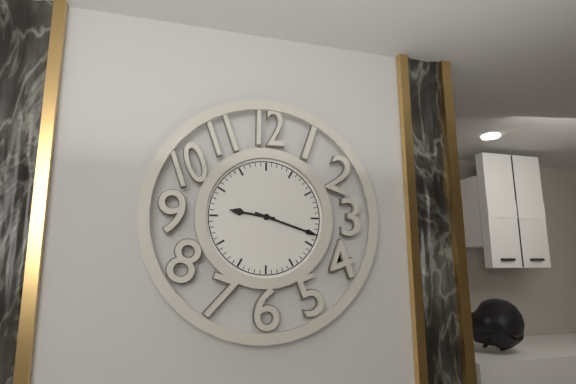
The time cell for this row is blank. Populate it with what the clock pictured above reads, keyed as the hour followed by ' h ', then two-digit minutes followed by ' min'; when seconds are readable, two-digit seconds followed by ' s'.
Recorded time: 9 h 18 min
